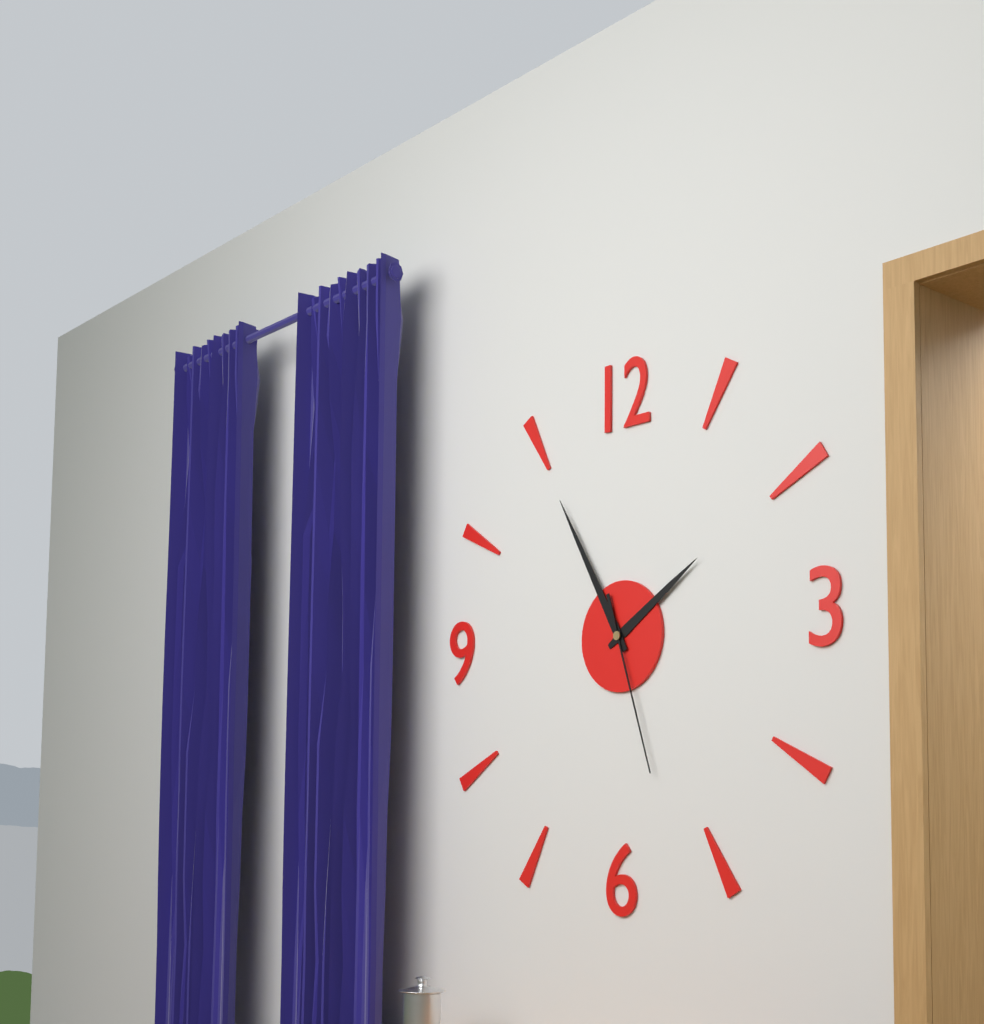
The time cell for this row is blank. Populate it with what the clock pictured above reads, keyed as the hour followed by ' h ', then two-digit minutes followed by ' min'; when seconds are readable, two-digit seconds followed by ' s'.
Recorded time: 1 h 55 min 27 s
